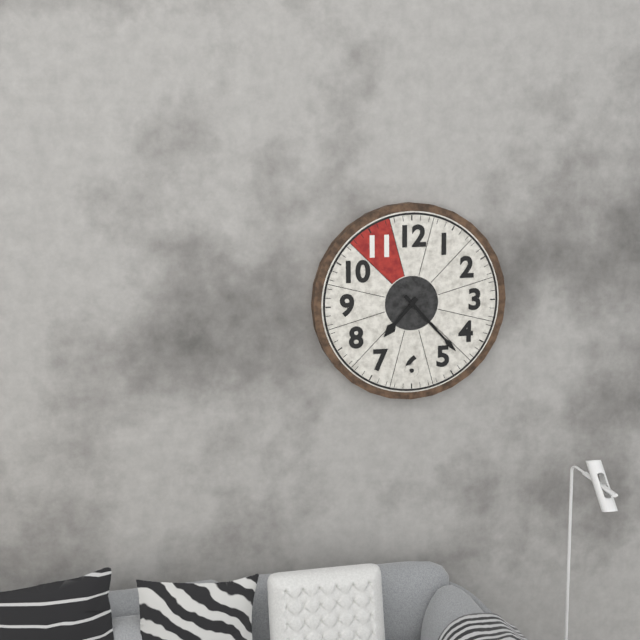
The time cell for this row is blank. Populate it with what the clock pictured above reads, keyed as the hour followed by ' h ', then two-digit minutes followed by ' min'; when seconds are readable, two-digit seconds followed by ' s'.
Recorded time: 7 h 23 min
